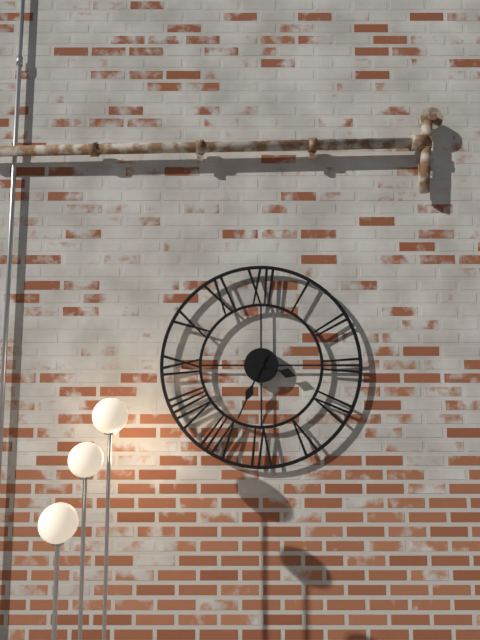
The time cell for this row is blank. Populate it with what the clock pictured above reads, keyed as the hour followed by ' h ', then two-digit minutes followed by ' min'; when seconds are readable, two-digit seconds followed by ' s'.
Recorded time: 3 h 34 min
